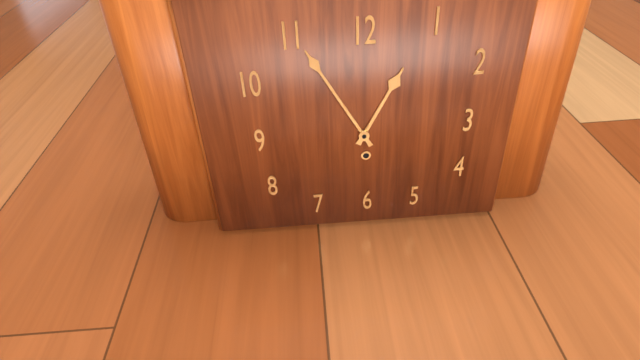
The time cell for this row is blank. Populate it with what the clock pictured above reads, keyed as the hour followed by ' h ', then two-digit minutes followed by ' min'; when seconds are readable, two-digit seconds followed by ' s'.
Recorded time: 12 h 55 min
